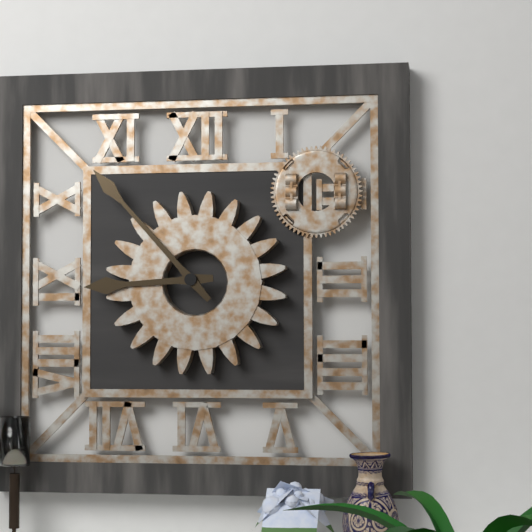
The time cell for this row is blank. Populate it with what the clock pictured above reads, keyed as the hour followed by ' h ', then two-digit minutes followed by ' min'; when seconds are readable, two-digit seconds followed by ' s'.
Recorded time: 8 h 53 min
